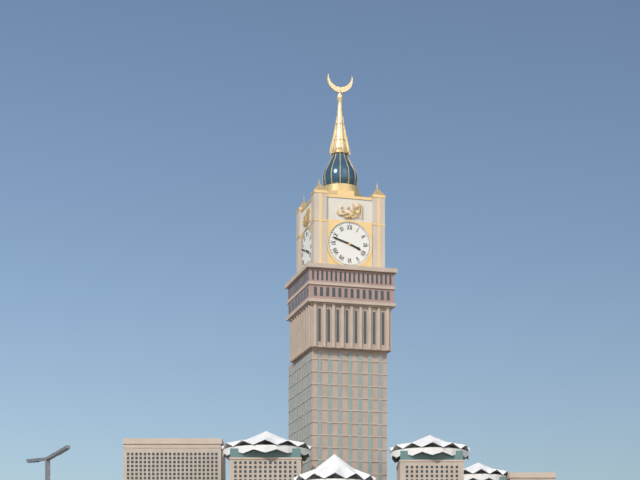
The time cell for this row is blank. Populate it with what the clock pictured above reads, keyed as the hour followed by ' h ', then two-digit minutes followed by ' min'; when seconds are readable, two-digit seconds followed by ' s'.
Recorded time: 3 h 48 min
